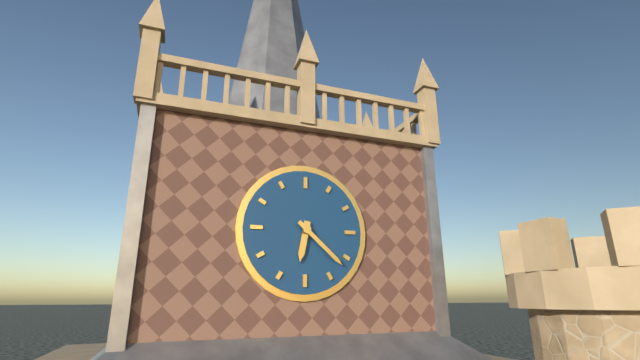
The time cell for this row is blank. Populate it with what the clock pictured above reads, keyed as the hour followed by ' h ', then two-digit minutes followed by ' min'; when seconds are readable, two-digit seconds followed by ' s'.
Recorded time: 6 h 22 min
